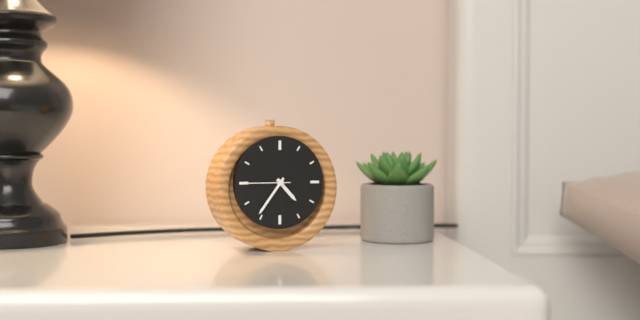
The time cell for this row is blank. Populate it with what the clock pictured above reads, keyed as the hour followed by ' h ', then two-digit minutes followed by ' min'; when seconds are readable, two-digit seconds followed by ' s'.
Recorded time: 4 h 36 min
